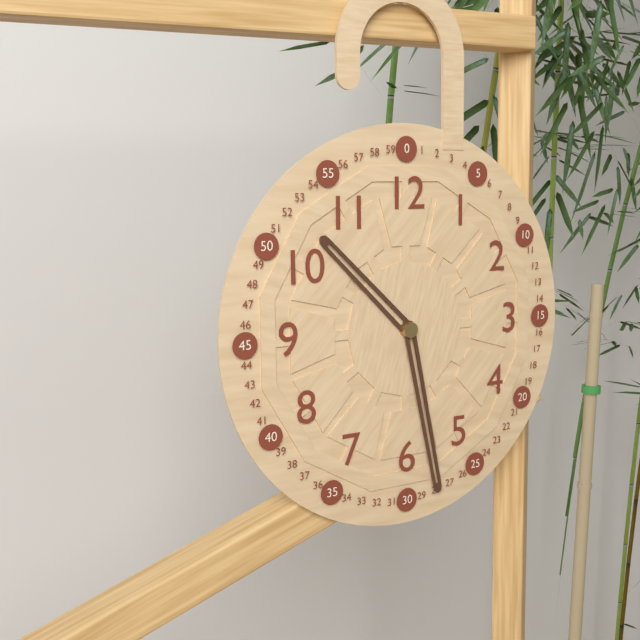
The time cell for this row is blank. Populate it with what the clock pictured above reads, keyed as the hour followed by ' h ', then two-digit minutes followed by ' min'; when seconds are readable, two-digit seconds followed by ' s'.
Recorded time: 10 h 28 min
